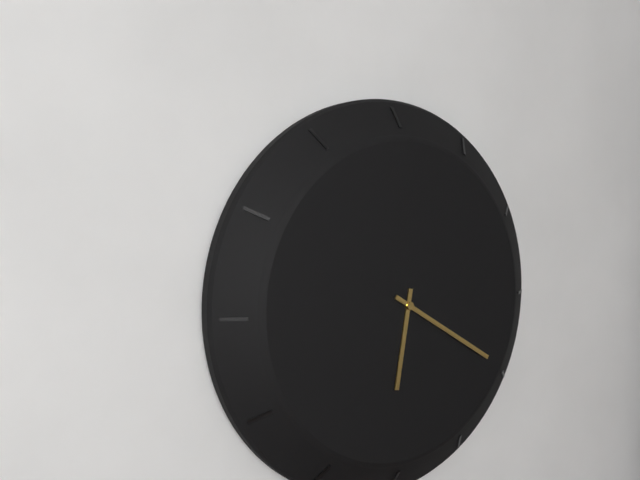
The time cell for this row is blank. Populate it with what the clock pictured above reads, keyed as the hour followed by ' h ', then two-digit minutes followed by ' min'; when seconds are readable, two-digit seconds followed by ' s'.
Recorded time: 6 h 20 min
